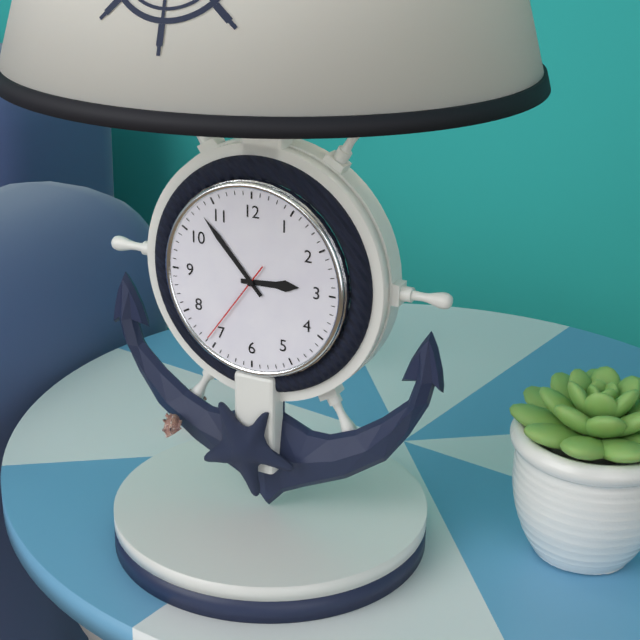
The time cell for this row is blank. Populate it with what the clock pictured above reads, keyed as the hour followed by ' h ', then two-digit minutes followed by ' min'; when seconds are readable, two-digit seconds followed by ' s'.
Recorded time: 2 h 53 min 36 s
